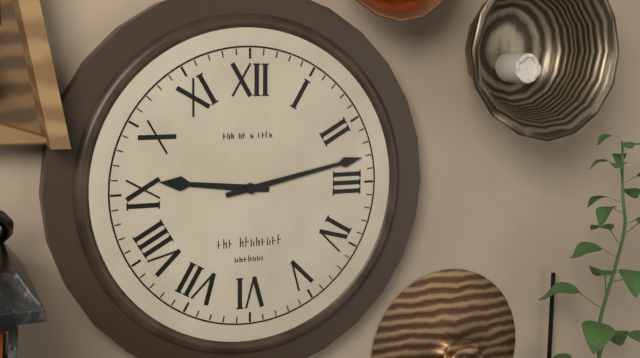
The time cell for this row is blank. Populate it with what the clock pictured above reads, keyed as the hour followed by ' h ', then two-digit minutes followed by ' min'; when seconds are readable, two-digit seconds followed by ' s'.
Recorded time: 9 h 13 min
